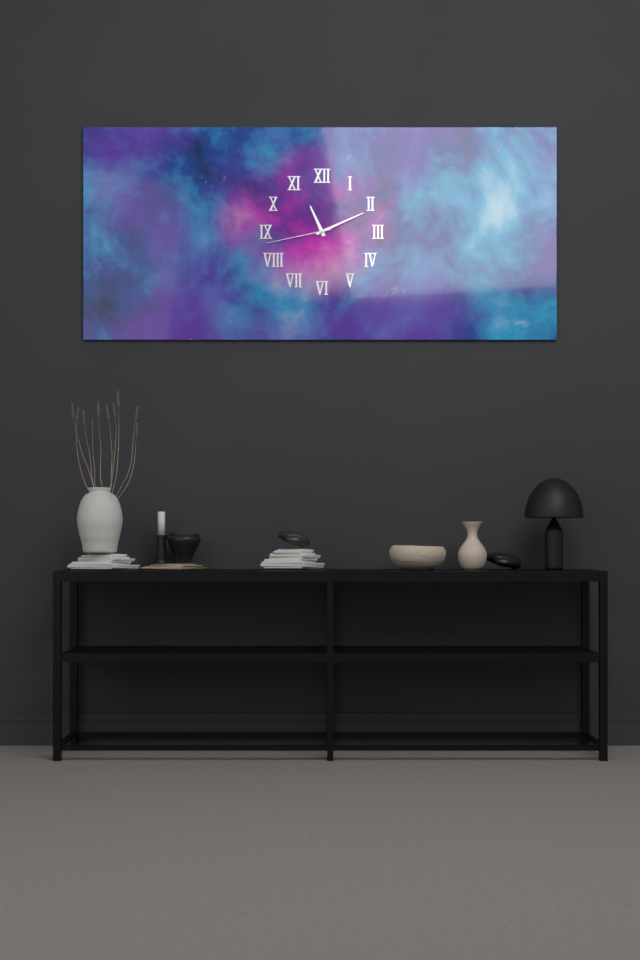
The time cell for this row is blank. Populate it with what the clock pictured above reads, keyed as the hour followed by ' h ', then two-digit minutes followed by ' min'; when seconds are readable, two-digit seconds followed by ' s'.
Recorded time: 11 h 11 min 43 s
